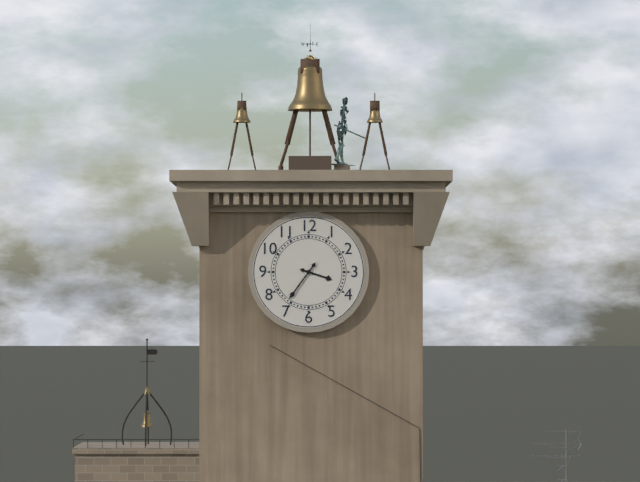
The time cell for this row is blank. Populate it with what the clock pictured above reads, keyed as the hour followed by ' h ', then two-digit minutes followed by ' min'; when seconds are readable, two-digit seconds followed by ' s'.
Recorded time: 3 h 36 min
